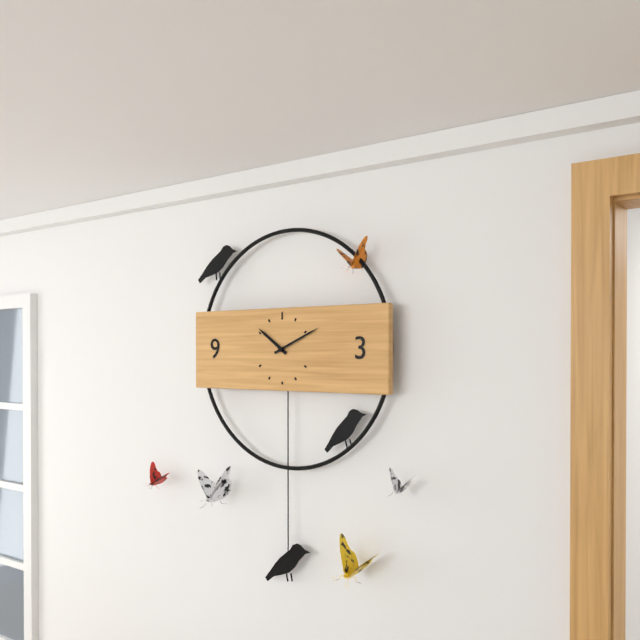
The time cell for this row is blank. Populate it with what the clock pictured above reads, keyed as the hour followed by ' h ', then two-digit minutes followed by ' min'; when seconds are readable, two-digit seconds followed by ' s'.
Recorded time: 10 h 11 min
